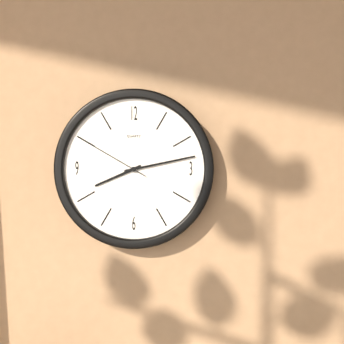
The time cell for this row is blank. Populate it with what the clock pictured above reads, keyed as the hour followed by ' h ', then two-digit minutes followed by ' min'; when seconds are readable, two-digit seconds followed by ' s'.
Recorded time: 8 h 13 min 50 s
